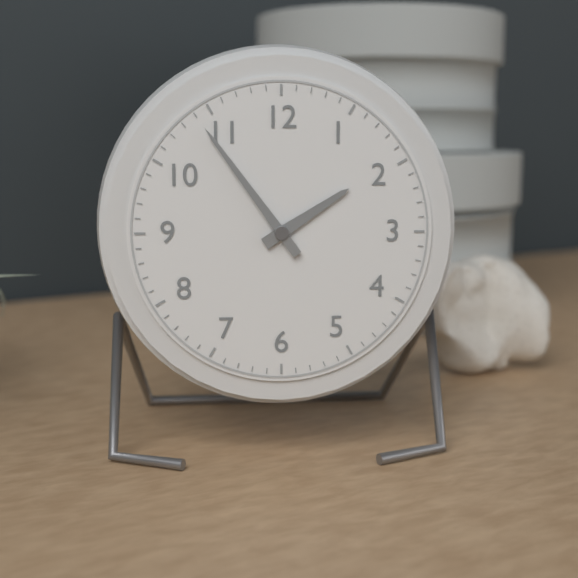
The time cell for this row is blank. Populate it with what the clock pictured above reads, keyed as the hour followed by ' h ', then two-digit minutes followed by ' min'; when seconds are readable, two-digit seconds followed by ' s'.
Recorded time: 1 h 54 min
